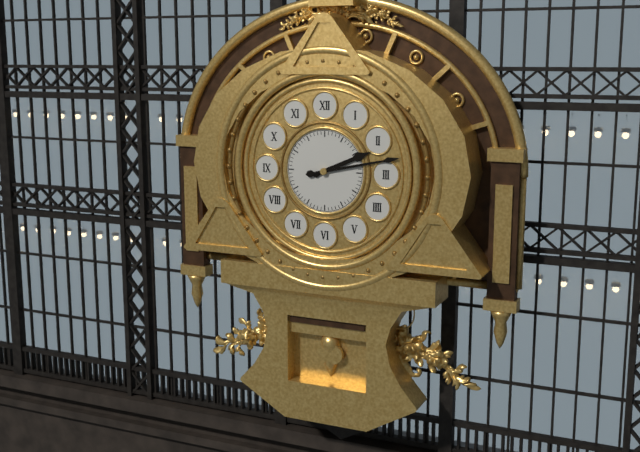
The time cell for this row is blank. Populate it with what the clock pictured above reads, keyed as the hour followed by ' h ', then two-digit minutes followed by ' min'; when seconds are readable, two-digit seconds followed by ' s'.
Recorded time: 2 h 13 min
